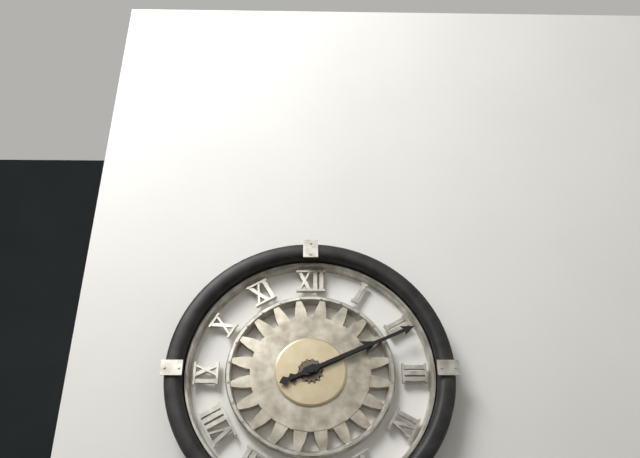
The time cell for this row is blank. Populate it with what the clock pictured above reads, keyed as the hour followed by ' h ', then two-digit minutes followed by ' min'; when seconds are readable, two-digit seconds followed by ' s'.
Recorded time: 2 h 11 min
